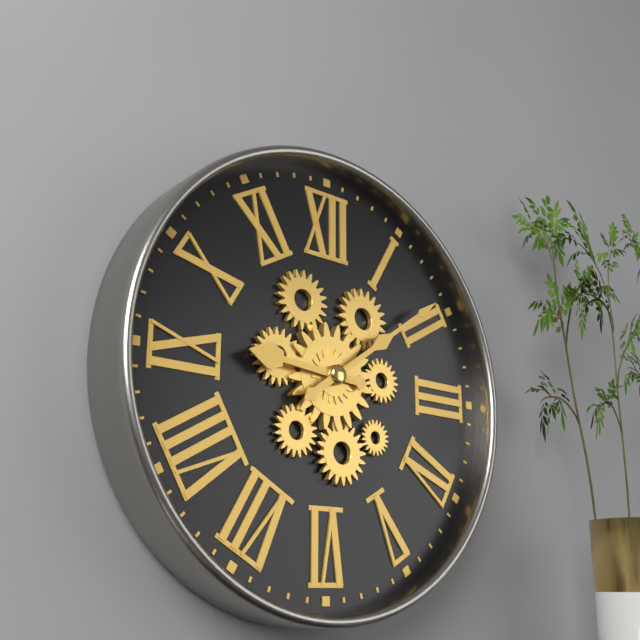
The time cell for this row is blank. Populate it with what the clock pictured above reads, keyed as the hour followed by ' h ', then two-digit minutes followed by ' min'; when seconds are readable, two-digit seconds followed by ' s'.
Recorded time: 9 h 09 min
